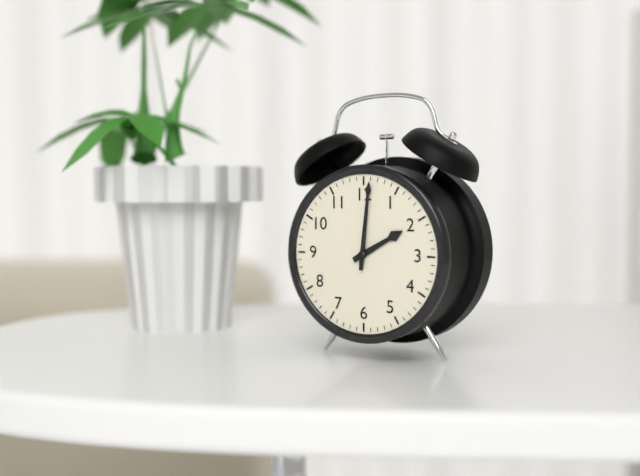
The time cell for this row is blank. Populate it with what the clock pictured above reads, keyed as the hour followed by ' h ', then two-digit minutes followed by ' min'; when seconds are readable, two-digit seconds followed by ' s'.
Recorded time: 2 h 01 min
